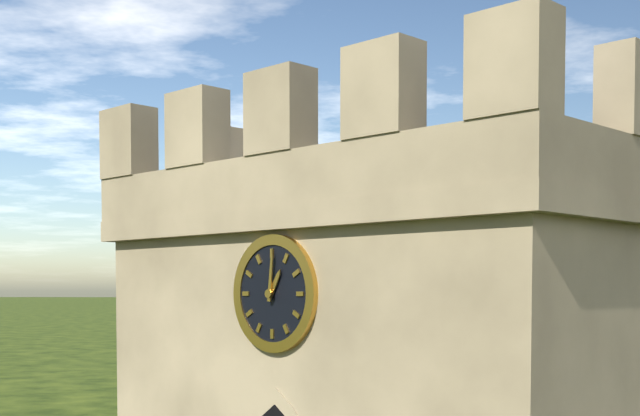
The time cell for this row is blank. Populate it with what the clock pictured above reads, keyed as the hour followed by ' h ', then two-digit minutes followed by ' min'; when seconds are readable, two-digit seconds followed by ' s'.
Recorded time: 1 h 01 min
